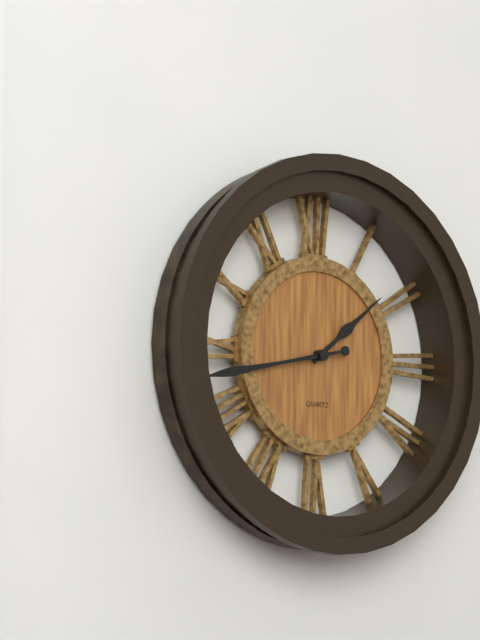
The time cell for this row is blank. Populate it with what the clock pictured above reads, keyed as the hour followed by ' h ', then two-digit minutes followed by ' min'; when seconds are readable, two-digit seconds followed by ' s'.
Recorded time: 1 h 43 min
